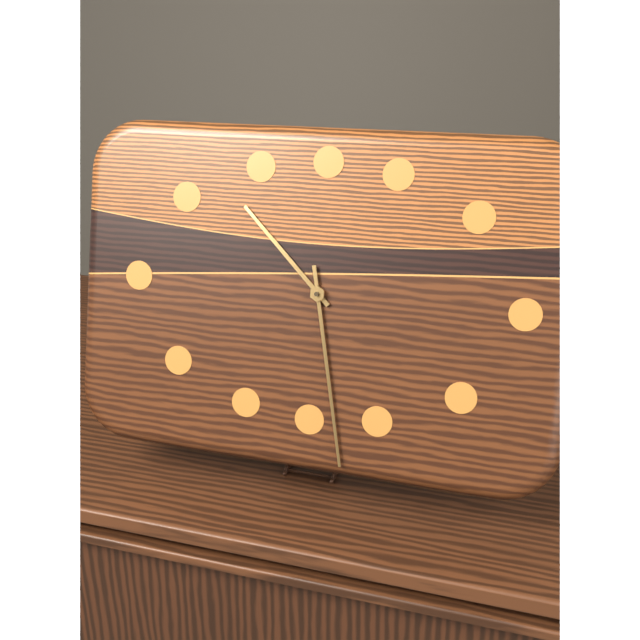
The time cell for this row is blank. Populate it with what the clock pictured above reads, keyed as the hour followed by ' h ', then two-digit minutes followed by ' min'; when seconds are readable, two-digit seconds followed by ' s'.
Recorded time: 10 h 28 min
